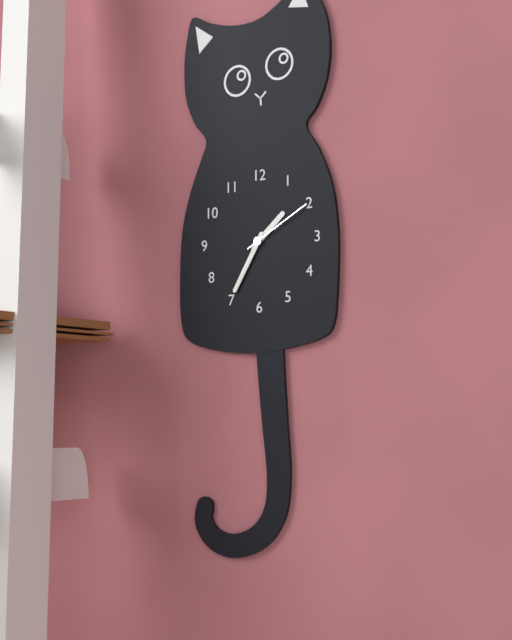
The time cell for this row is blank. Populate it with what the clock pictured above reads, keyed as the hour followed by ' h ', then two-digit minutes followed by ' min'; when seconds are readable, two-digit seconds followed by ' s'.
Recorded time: 1 h 35 min 10 s
